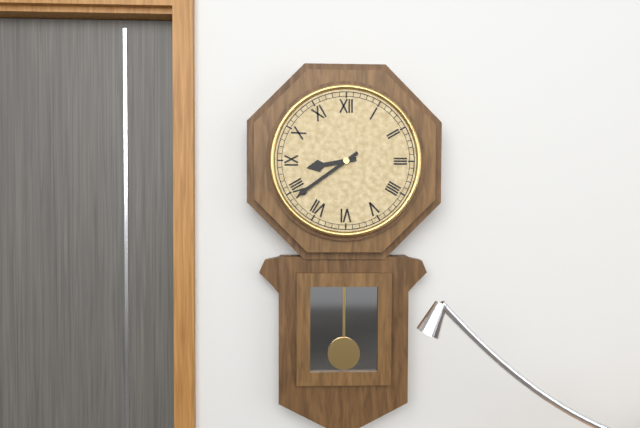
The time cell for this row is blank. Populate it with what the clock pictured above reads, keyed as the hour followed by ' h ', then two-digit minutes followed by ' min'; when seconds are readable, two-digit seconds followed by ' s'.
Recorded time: 8 h 39 min
